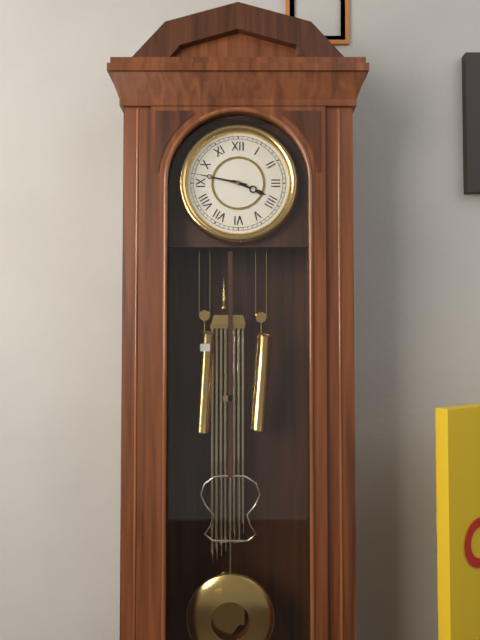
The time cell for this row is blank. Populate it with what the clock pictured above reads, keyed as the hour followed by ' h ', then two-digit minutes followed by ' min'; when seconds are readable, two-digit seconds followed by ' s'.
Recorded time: 3 h 47 min
